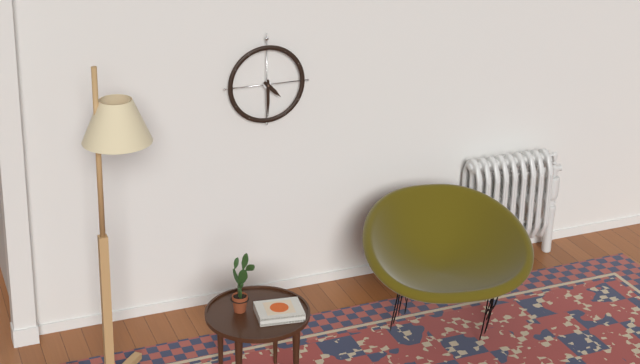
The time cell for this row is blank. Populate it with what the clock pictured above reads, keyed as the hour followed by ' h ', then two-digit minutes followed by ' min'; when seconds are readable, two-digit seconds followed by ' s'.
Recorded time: 4 h 30 min
